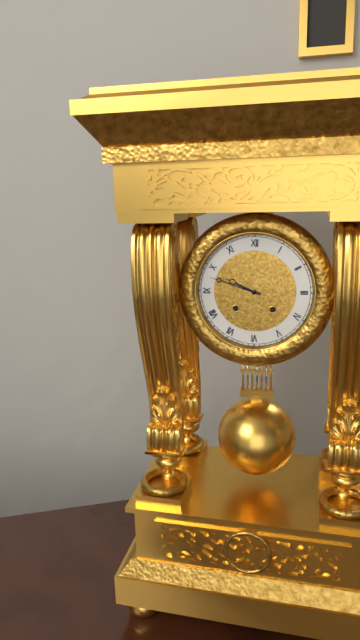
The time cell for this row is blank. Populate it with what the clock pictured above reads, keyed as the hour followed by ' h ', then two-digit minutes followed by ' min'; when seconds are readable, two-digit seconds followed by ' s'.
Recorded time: 9 h 48 min
